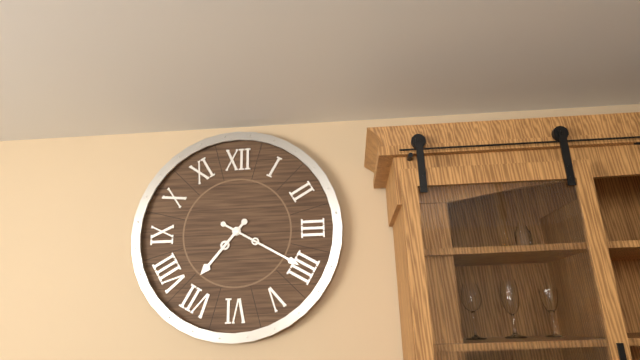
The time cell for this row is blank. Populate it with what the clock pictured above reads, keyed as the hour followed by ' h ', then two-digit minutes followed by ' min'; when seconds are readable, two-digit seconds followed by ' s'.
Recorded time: 7 h 20 min
